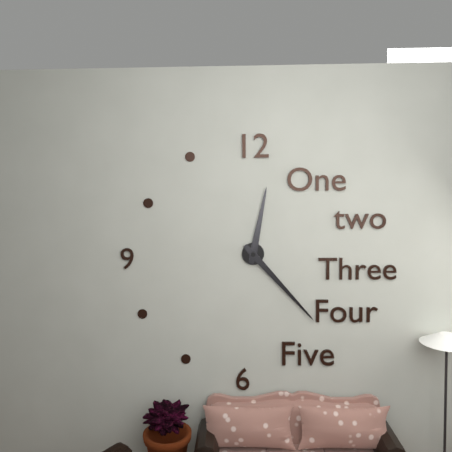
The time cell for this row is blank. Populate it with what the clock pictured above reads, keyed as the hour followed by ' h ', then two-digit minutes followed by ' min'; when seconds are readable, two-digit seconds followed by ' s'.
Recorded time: 12 h 23 min
